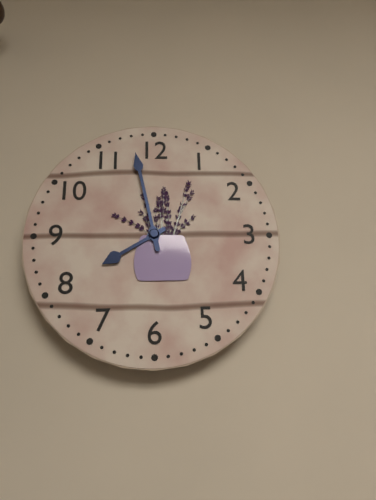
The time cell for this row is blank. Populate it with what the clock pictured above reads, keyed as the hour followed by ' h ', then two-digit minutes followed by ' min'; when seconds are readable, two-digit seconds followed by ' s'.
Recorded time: 7 h 58 min
